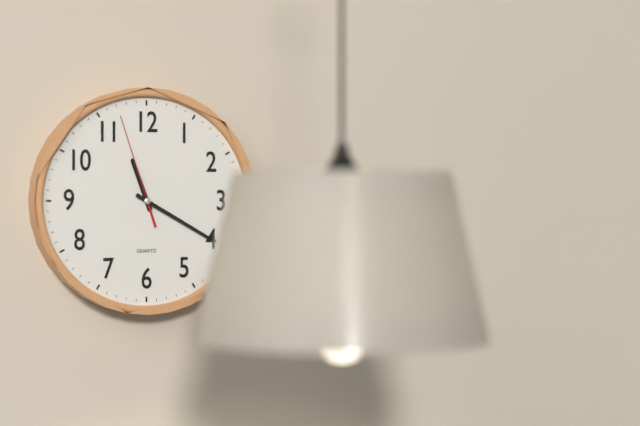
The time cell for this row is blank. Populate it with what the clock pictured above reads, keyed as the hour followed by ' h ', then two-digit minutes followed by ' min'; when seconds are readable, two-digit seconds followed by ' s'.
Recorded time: 11 h 20 min 57 s
